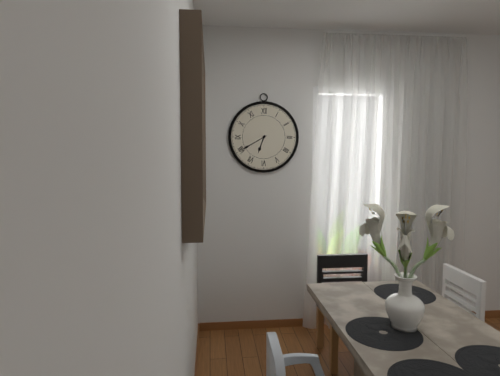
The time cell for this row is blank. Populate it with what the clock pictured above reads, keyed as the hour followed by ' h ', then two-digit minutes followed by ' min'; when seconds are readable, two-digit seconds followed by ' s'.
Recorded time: 6 h 40 min
